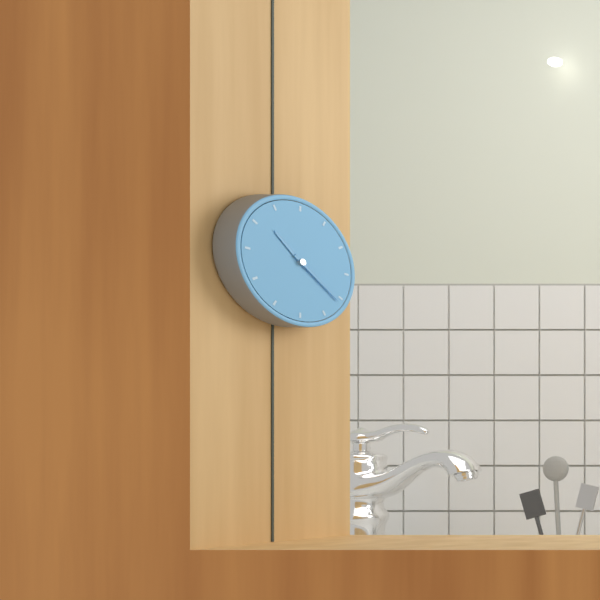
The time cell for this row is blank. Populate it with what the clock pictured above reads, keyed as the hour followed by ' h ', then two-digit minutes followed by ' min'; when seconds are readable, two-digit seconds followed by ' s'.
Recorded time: 10 h 21 min
